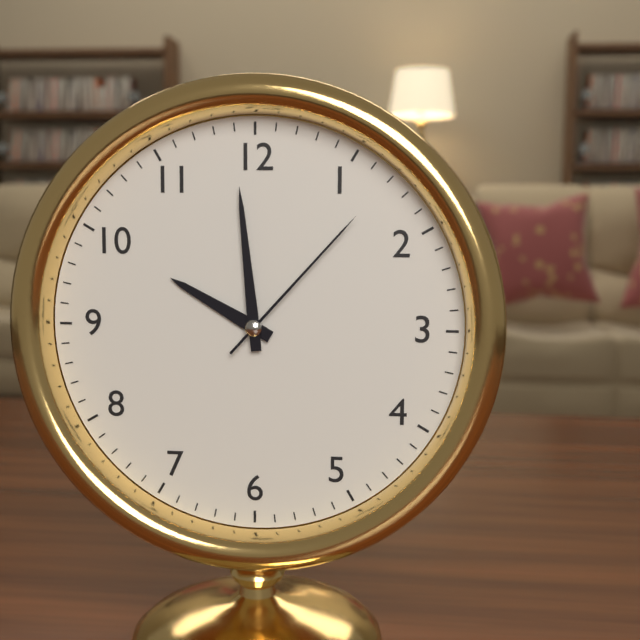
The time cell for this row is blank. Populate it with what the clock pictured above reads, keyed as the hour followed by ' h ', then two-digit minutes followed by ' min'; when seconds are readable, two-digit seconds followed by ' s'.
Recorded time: 9 h 59 min 07 s
